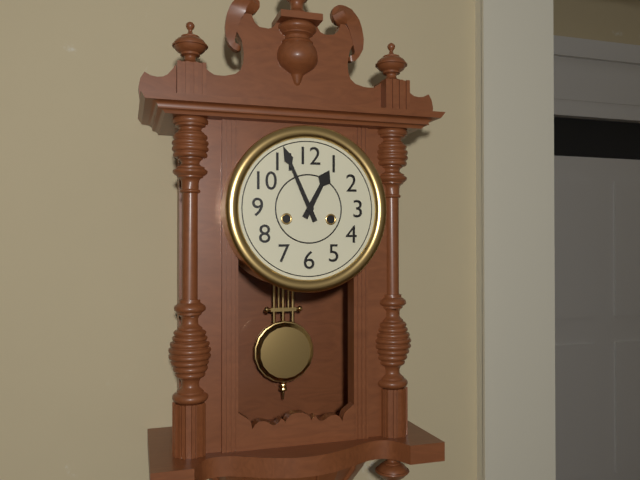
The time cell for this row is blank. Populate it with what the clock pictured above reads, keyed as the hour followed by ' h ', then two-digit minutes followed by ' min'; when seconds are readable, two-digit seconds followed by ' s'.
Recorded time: 12 h 56 min
